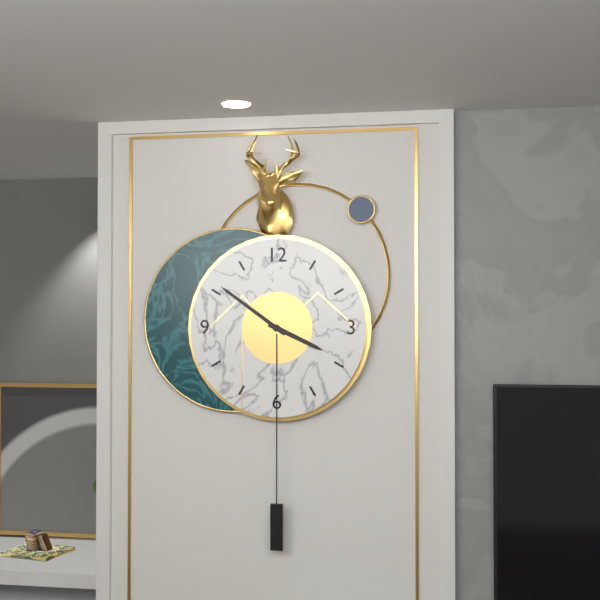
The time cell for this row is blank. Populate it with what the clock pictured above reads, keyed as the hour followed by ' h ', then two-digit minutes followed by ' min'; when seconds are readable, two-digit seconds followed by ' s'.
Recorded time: 3 h 51 min
